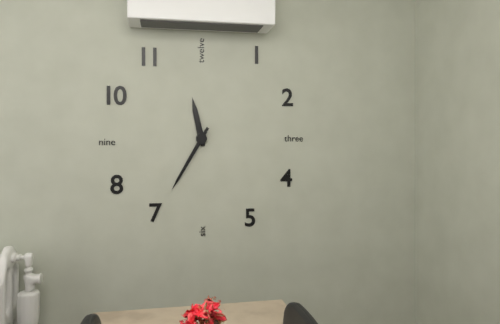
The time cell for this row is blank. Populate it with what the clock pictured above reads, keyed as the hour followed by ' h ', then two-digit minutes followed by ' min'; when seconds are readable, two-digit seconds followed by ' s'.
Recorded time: 11 h 35 min
